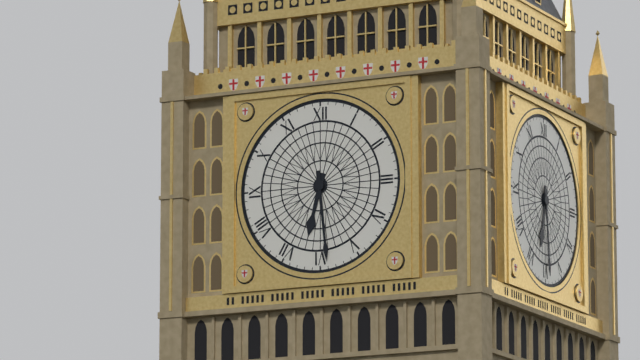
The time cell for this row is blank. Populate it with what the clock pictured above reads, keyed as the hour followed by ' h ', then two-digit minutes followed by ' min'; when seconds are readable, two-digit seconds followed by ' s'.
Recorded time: 6 h 29 min
